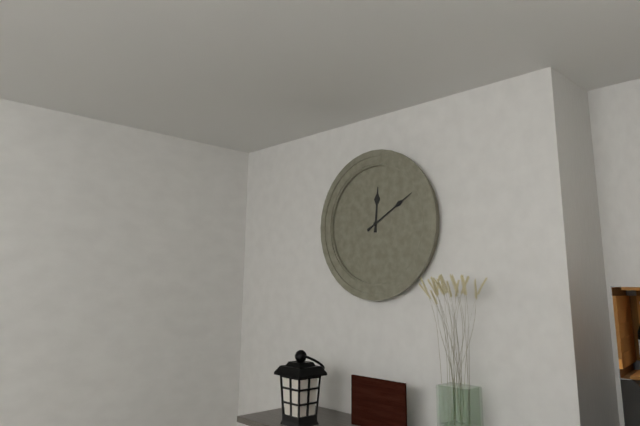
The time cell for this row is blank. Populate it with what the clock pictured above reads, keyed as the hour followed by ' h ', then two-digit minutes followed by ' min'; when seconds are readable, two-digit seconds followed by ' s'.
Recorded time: 12 h 10 min
